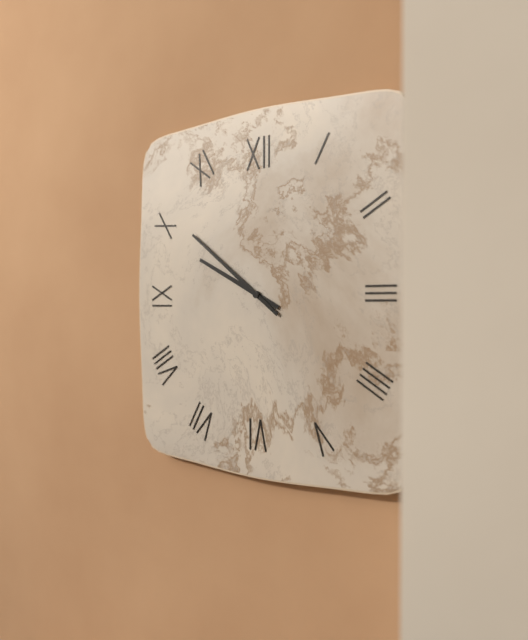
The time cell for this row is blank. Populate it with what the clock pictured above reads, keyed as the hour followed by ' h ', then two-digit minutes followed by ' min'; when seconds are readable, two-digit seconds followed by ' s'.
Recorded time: 9 h 51 min
